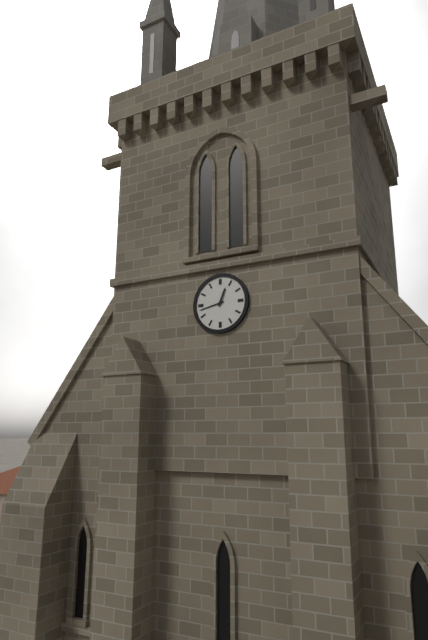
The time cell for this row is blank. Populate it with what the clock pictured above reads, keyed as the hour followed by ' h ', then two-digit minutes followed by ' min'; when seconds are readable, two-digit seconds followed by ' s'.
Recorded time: 12 h 43 min
